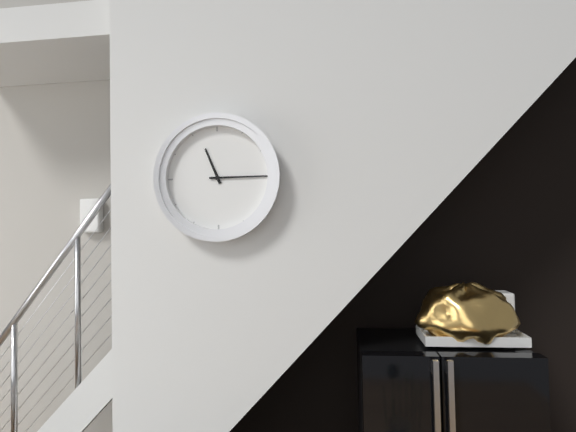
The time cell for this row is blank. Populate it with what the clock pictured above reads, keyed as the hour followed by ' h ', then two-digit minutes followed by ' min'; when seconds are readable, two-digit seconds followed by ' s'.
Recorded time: 11 h 15 min
